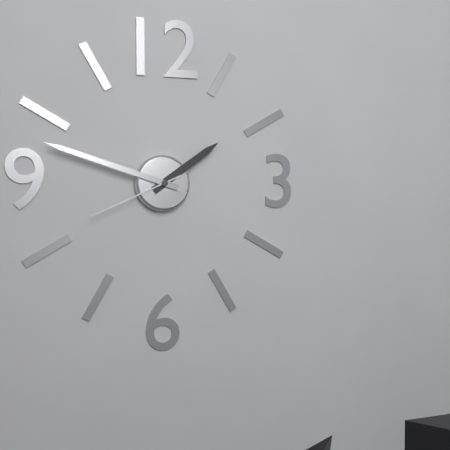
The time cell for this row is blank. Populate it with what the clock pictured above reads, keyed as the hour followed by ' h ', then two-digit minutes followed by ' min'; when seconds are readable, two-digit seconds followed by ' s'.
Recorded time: 1 h 48 min 41 s
